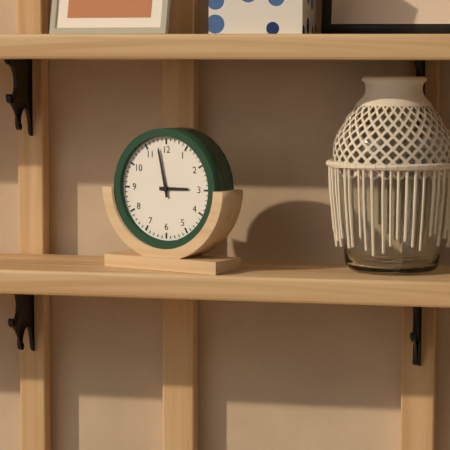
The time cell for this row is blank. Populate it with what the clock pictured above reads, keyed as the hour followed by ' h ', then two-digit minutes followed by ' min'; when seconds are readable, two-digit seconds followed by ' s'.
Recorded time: 2 h 58 min
